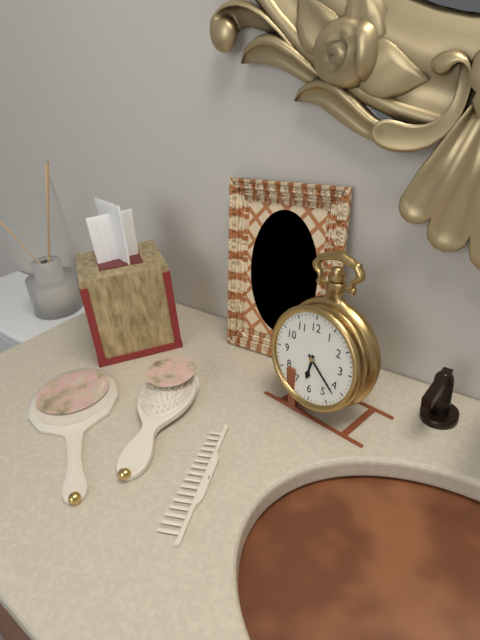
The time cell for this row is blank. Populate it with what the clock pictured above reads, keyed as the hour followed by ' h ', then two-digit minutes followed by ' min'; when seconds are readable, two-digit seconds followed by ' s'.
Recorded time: 6 h 22 min
